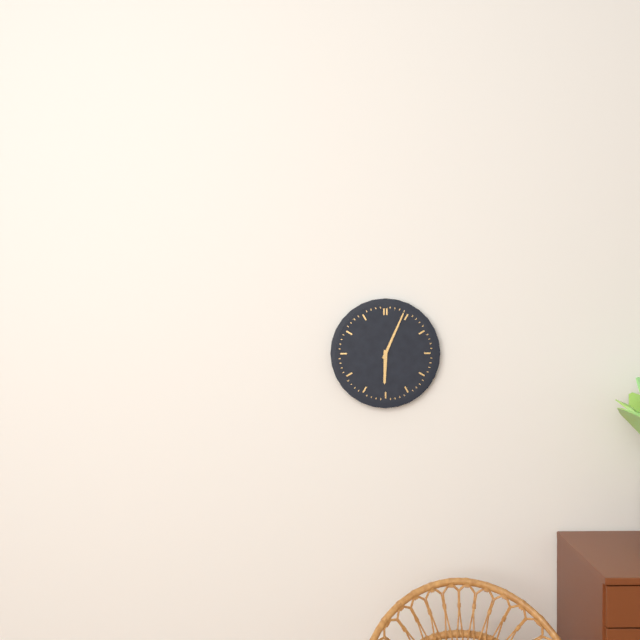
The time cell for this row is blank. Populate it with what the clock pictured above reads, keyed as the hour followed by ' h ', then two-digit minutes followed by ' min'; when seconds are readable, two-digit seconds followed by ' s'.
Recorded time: 6 h 04 min
